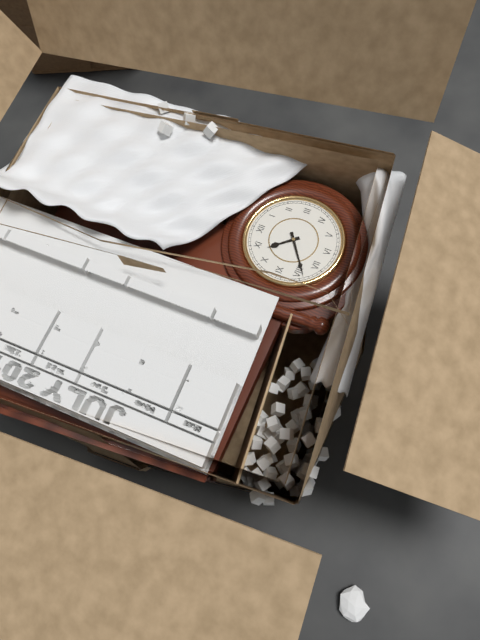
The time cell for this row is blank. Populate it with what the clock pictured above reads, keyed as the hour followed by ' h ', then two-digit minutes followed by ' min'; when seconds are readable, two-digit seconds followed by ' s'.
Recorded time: 10 h 39 min
